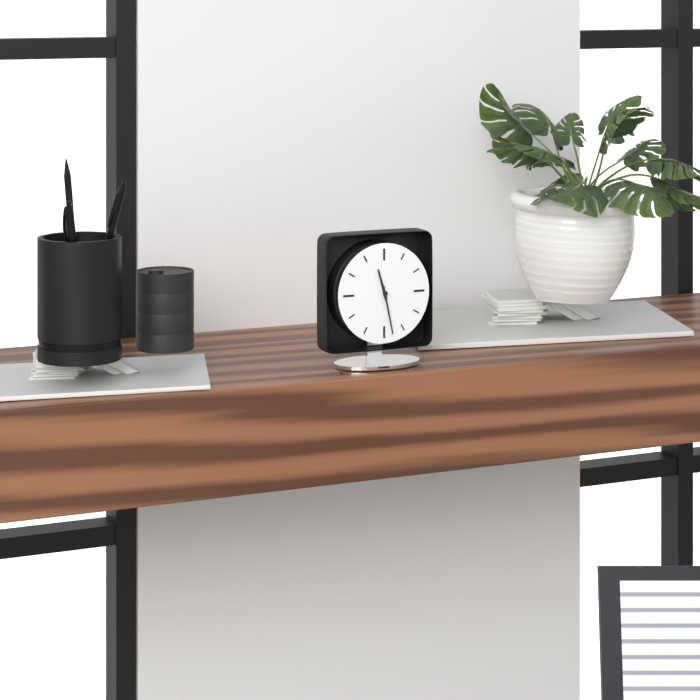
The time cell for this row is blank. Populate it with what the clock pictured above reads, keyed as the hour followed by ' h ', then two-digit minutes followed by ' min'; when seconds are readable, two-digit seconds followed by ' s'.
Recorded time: 11 h 28 min
